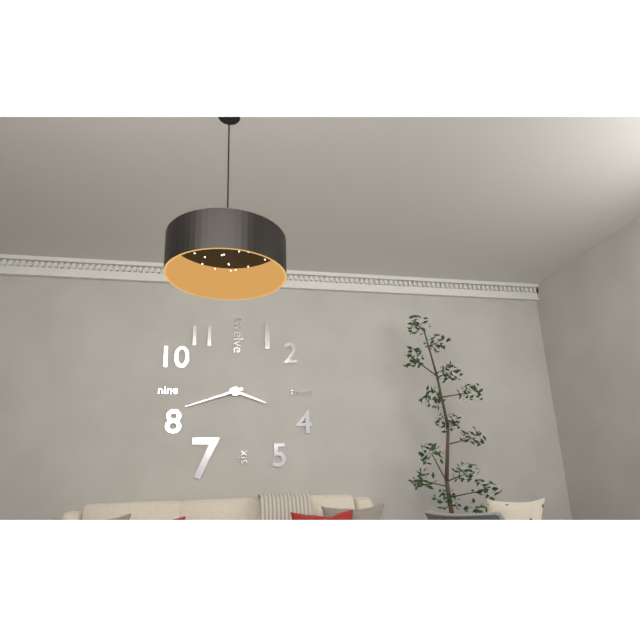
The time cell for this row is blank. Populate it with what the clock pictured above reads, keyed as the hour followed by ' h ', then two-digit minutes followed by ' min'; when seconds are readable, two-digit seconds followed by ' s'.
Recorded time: 3 h 42 min
